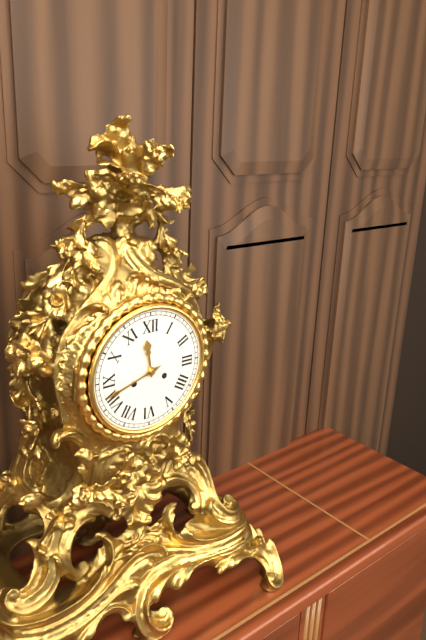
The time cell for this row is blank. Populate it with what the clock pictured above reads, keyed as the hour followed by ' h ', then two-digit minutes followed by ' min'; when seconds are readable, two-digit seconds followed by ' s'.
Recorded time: 11 h 42 min
